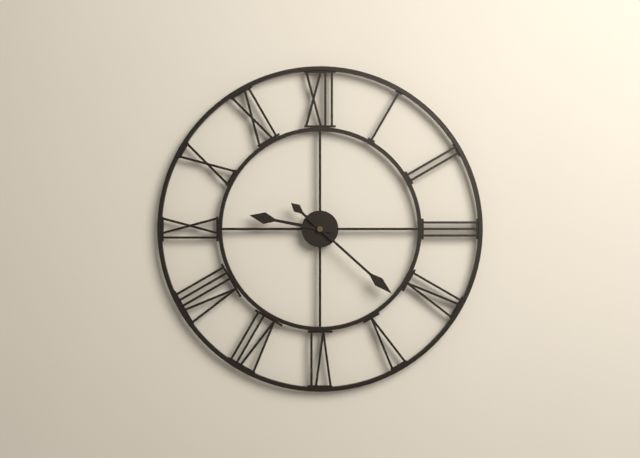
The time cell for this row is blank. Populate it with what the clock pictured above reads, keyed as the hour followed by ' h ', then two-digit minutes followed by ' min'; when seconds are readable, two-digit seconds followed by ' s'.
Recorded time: 9 h 22 min
